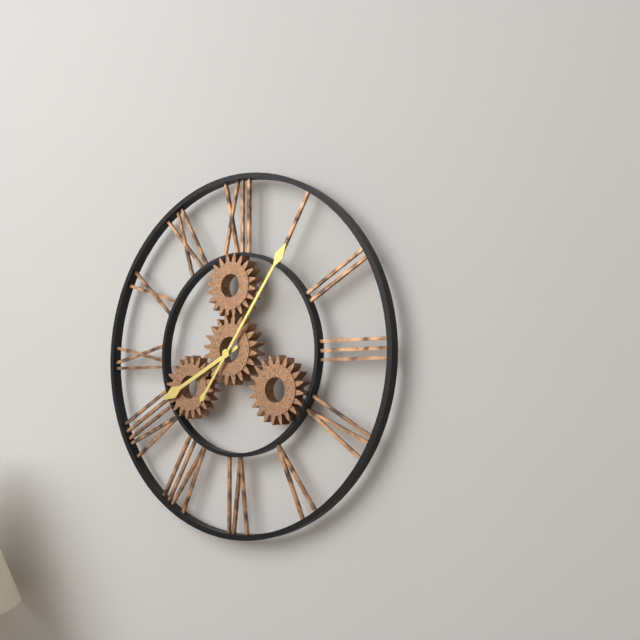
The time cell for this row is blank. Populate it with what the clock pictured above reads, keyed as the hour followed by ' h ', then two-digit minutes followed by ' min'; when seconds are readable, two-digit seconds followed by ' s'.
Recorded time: 8 h 06 min
